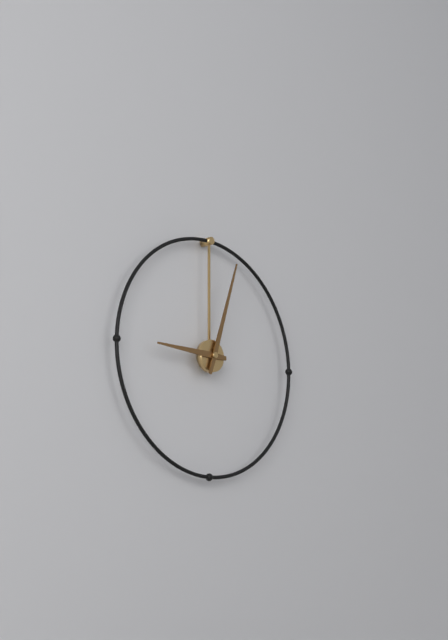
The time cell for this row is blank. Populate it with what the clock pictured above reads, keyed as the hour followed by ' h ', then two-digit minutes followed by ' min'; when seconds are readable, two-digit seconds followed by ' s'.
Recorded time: 9 h 03 min
